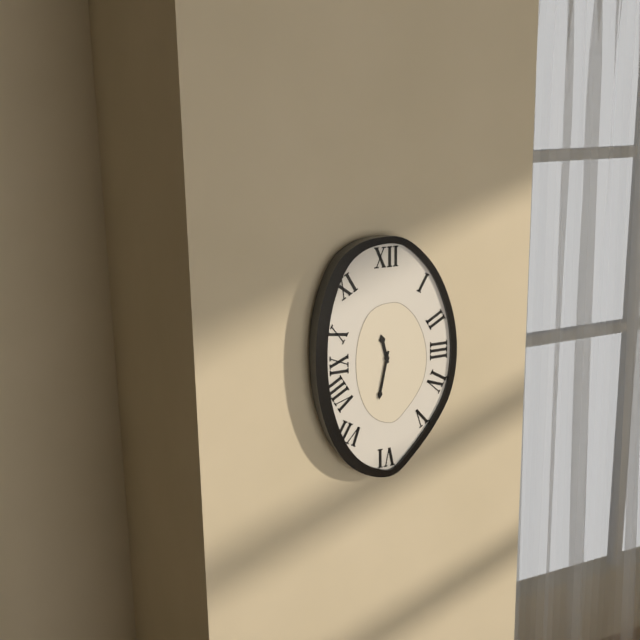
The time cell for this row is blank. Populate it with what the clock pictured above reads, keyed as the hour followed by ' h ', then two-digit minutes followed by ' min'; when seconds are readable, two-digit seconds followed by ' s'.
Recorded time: 11 h 32 min
